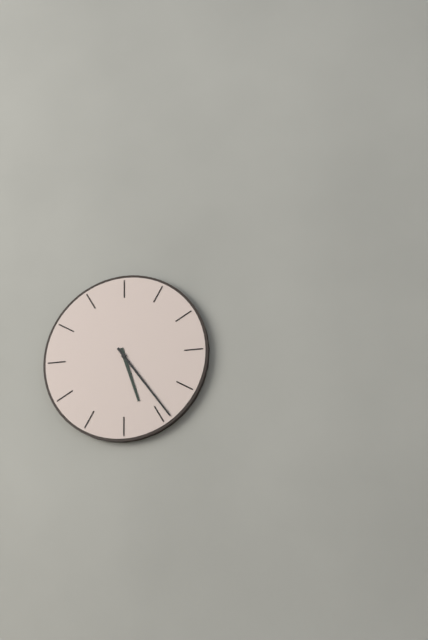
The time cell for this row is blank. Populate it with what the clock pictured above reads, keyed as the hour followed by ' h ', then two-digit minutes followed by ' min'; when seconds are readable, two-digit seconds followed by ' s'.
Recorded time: 5 h 24 min
